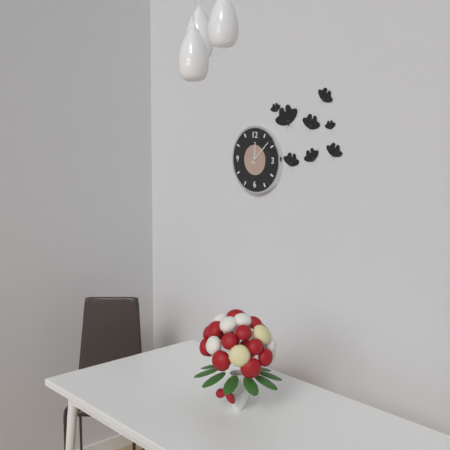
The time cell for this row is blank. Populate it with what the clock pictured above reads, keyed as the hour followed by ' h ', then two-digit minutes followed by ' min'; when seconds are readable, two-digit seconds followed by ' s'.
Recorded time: 12 h 08 min
